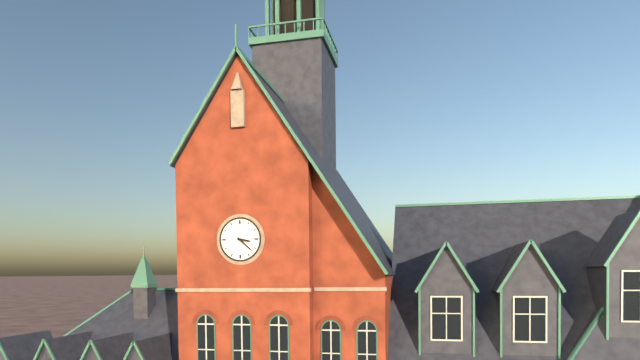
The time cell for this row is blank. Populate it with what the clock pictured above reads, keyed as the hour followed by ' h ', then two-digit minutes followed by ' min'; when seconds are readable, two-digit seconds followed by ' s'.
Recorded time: 3 h 22 min
